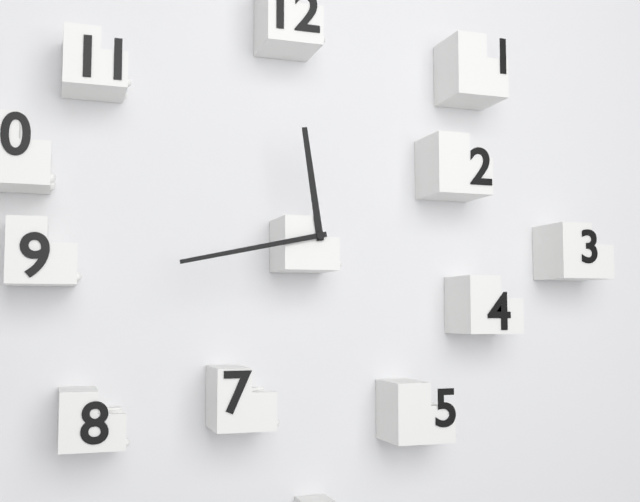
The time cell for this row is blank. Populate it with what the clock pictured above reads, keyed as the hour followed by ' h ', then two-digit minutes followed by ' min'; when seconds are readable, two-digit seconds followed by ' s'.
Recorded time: 11 h 43 min
